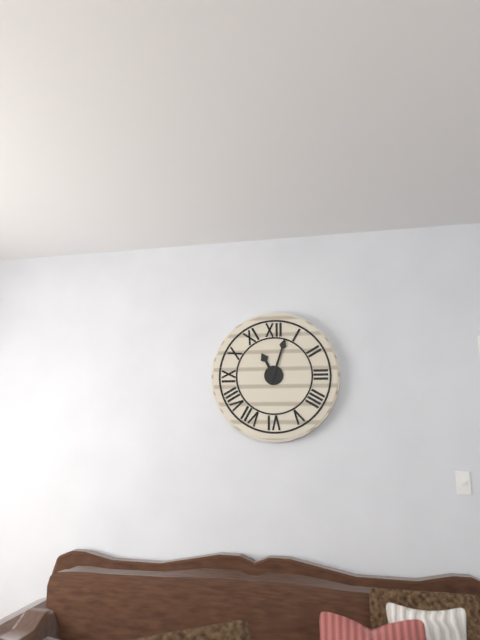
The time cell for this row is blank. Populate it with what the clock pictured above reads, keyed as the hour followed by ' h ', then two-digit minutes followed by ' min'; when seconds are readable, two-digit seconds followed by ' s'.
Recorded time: 11 h 03 min
